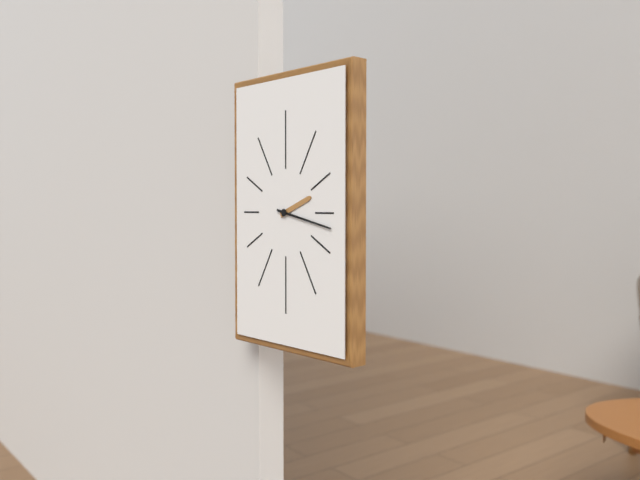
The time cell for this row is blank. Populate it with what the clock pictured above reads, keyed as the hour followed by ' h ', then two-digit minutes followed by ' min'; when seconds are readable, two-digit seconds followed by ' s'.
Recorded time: 2 h 17 min
